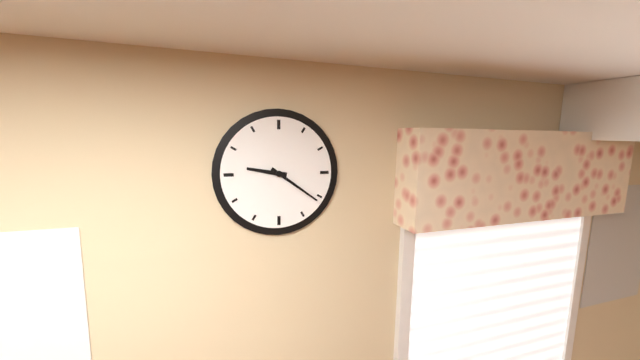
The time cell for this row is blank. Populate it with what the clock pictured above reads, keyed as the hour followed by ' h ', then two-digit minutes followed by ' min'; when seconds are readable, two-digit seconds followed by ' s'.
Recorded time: 9 h 21 min
